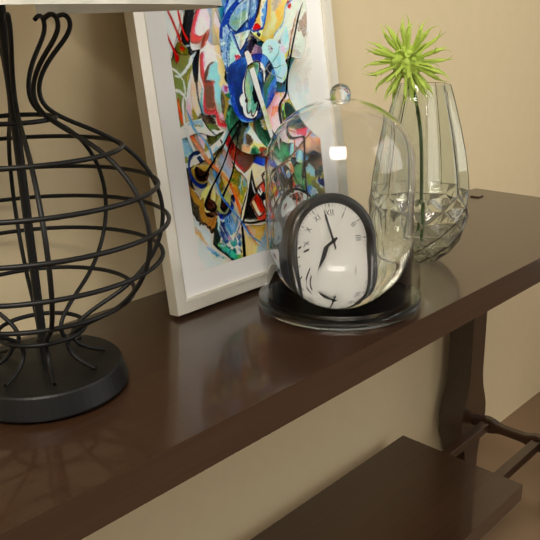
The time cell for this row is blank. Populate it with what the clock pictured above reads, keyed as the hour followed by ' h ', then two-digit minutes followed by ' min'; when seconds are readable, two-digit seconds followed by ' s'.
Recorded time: 7 h 58 min
